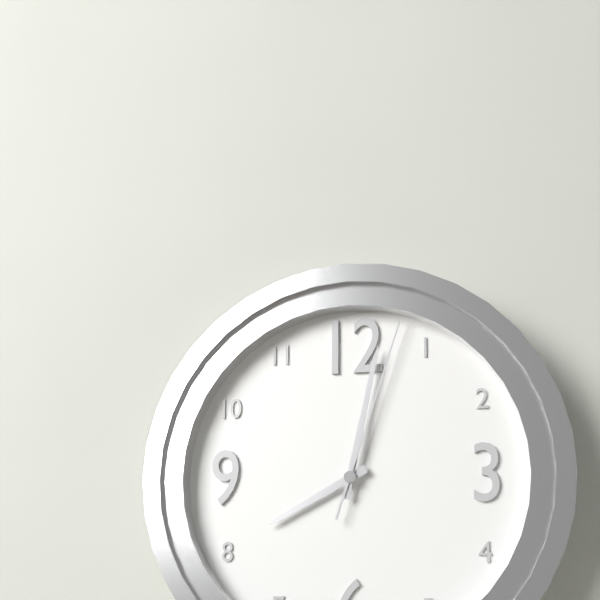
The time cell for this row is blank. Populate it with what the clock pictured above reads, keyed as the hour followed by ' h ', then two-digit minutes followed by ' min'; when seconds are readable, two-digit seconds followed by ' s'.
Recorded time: 8 h 02 min 03 s
